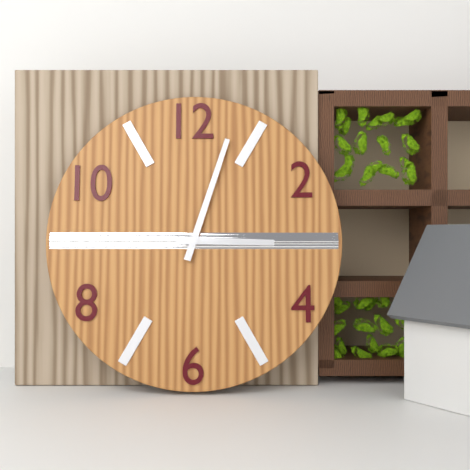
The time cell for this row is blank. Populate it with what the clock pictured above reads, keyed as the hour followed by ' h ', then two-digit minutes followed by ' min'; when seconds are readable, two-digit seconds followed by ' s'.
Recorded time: 3 h 03 min
